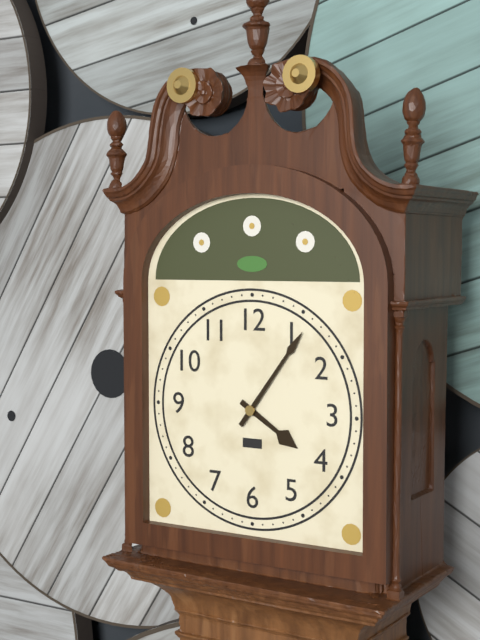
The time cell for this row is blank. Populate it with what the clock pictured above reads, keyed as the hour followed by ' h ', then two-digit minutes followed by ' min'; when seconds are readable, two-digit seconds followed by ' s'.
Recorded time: 4 h 06 min
